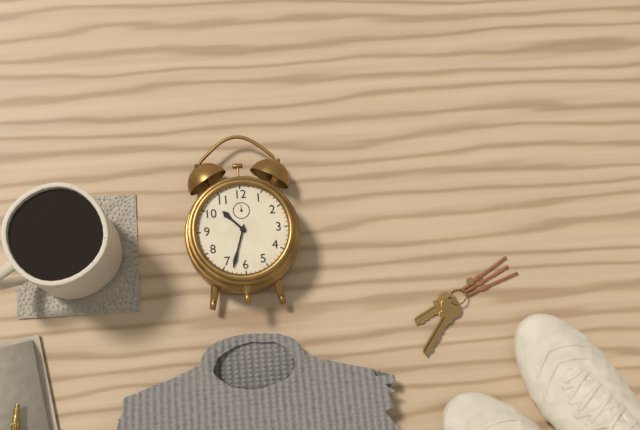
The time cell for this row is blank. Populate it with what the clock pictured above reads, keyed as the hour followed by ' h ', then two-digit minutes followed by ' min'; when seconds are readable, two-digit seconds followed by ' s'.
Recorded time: 10 h 33 min
